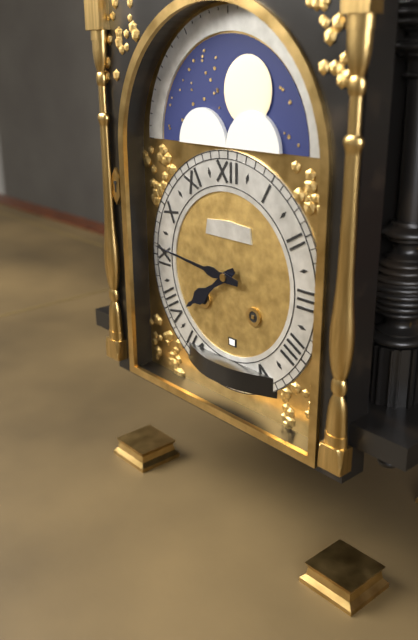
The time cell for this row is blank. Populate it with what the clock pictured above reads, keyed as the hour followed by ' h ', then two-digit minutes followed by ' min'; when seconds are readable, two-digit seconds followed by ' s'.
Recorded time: 7 h 46 min
